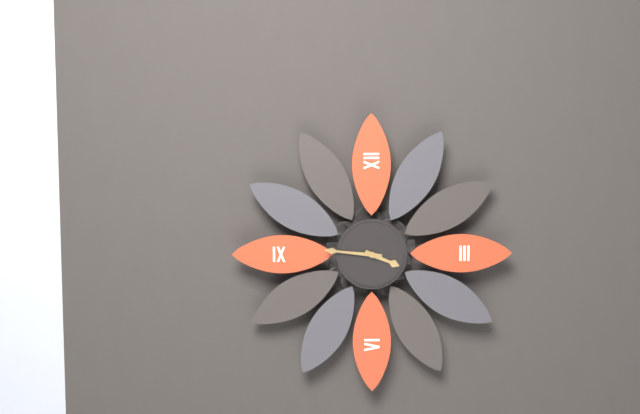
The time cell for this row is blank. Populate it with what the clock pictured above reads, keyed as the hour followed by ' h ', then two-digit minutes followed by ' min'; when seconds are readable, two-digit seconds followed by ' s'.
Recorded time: 3 h 46 min
